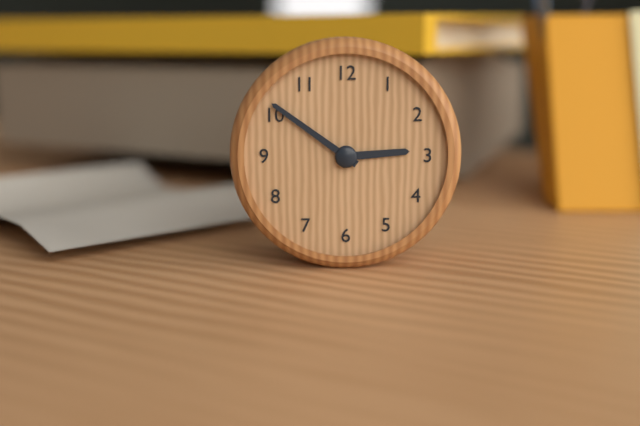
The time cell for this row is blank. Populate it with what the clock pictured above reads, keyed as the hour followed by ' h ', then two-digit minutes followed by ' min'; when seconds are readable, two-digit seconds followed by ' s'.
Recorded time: 2 h 51 min
